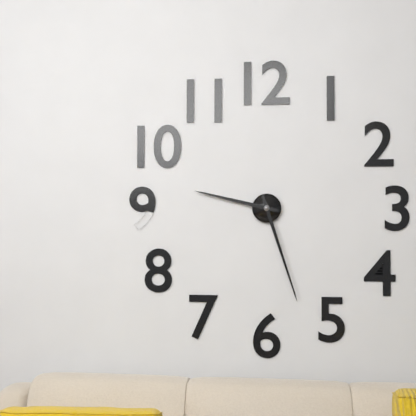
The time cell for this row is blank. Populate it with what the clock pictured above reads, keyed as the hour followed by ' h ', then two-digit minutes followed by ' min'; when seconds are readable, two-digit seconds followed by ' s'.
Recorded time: 9 h 27 min
